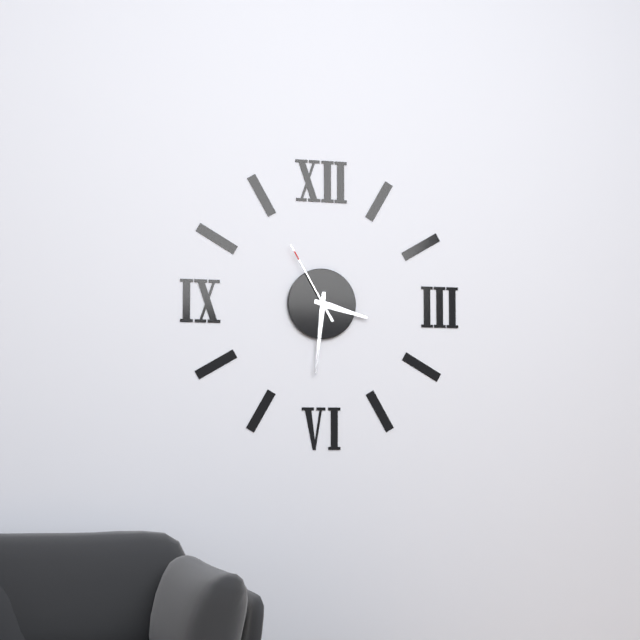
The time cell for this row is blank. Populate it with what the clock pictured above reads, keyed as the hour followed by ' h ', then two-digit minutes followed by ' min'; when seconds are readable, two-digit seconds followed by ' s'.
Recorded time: 3 h 31 min 55 s
